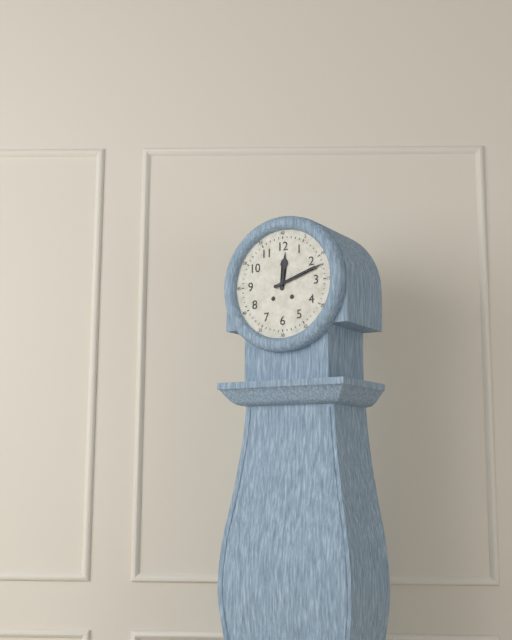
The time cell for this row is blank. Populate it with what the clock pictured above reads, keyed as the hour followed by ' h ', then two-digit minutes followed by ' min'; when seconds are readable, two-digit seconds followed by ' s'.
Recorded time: 12 h 12 min
